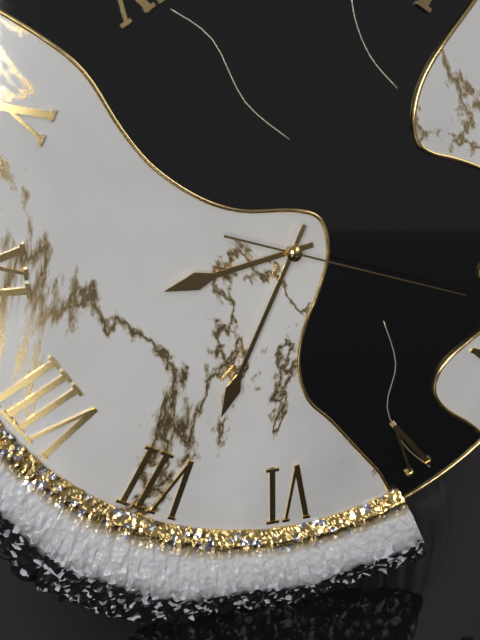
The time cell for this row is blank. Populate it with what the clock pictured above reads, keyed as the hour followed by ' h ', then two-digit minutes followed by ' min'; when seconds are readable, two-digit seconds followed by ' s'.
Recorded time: 8 h 34 min 18 s
